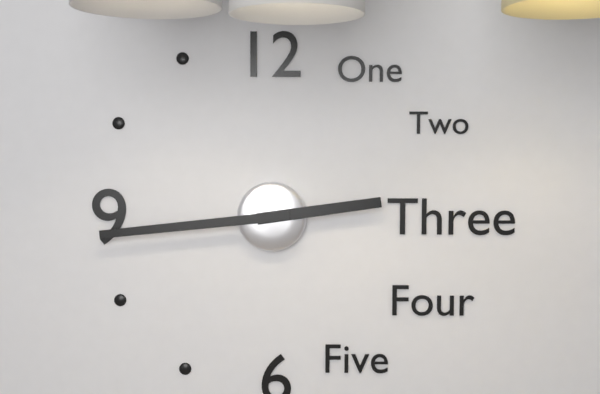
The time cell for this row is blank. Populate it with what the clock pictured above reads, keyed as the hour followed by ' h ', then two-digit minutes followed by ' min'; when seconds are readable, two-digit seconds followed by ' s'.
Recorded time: 2 h 44 min
